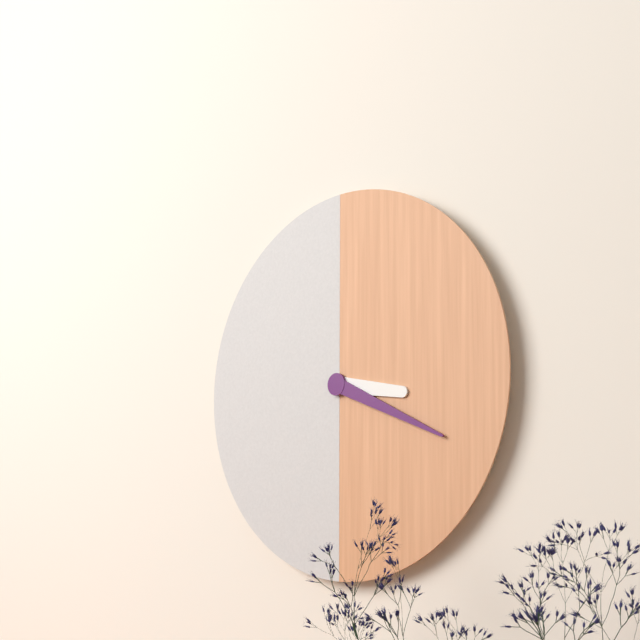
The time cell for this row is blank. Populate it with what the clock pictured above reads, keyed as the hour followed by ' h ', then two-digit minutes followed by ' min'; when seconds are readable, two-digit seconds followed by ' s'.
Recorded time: 3 h 19 min
